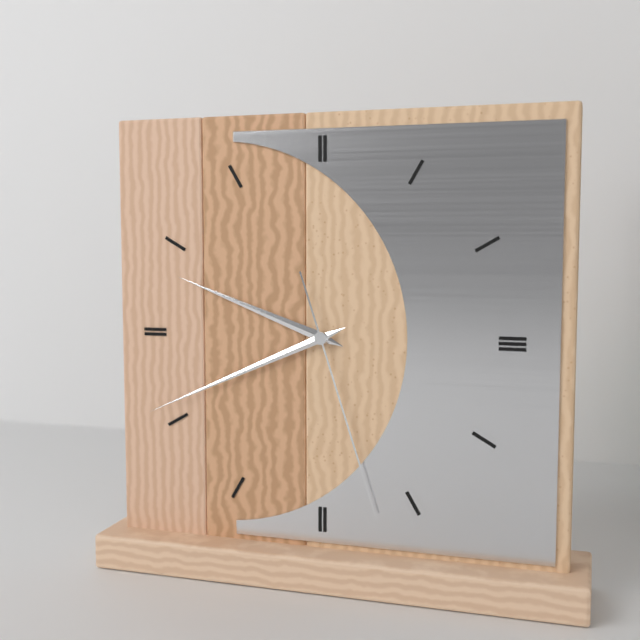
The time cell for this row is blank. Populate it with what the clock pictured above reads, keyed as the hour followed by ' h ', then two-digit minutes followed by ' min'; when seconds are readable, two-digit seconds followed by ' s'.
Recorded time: 9 h 41 min 27 s
